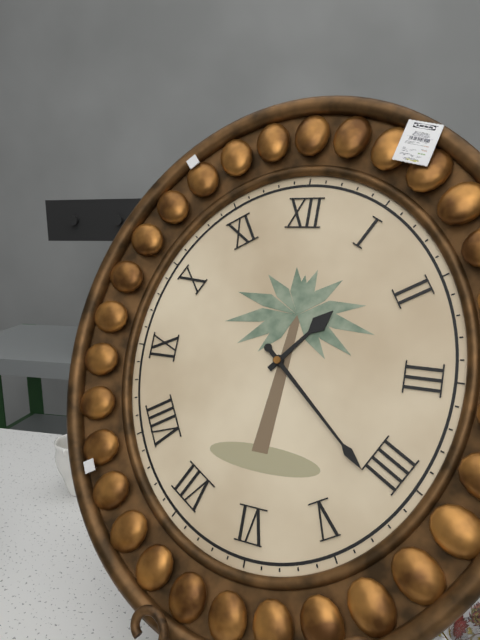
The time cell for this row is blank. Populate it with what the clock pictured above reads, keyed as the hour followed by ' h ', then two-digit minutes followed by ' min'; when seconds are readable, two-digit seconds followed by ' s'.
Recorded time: 1 h 22 min
